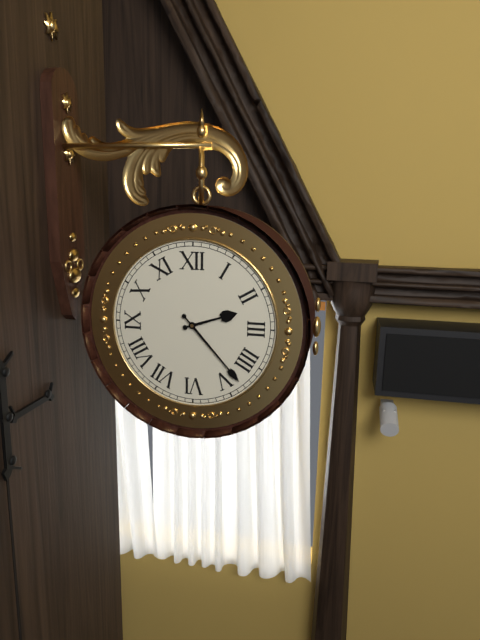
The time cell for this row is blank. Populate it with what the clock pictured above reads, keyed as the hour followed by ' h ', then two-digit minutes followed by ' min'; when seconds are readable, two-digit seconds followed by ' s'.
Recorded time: 2 h 23 min
